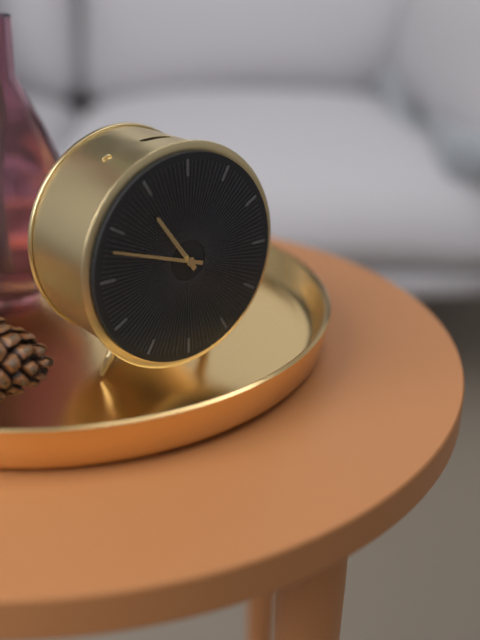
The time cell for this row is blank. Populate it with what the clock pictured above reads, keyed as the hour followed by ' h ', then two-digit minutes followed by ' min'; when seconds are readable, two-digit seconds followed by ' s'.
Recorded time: 10 h 48 min
